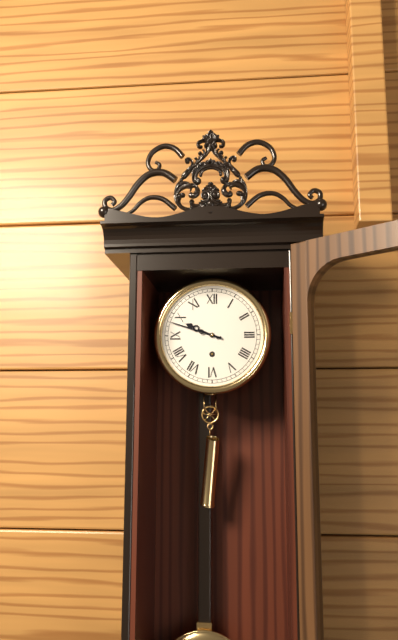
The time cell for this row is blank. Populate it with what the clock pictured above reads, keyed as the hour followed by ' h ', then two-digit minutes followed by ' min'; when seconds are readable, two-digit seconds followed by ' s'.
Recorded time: 9 h 48 min
